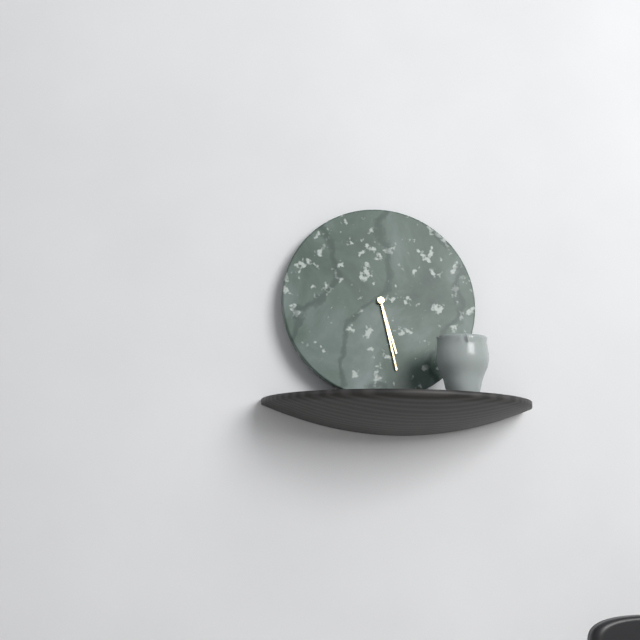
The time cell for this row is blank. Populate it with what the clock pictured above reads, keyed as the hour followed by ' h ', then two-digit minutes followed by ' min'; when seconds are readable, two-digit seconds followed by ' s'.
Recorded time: 5 h 28 min
